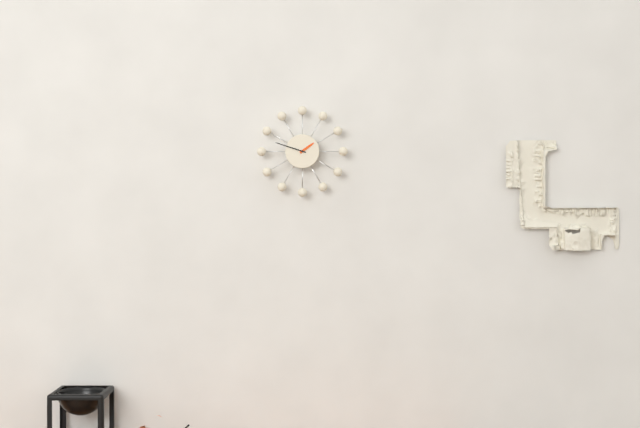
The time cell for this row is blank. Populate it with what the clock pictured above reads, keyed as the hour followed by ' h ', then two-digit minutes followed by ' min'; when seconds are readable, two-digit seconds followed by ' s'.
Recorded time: 1 h 48 min
